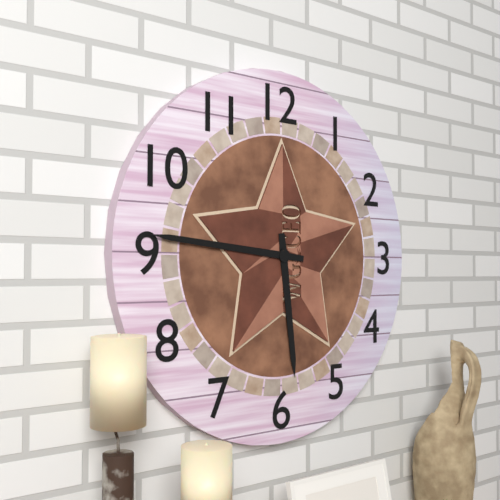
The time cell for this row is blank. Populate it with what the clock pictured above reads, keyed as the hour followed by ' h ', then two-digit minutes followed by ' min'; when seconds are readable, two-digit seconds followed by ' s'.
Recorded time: 5 h 46 min
